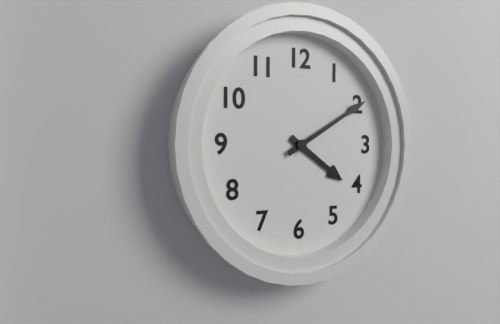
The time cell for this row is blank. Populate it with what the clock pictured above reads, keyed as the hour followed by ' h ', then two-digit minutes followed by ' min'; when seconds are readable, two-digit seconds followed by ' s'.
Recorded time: 4 h 10 min
